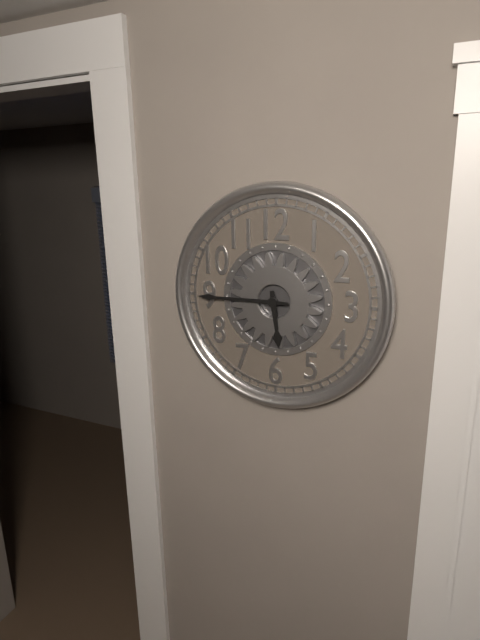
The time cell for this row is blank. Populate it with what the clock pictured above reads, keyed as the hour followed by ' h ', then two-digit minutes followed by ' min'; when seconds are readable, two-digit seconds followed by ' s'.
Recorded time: 5 h 45 min
